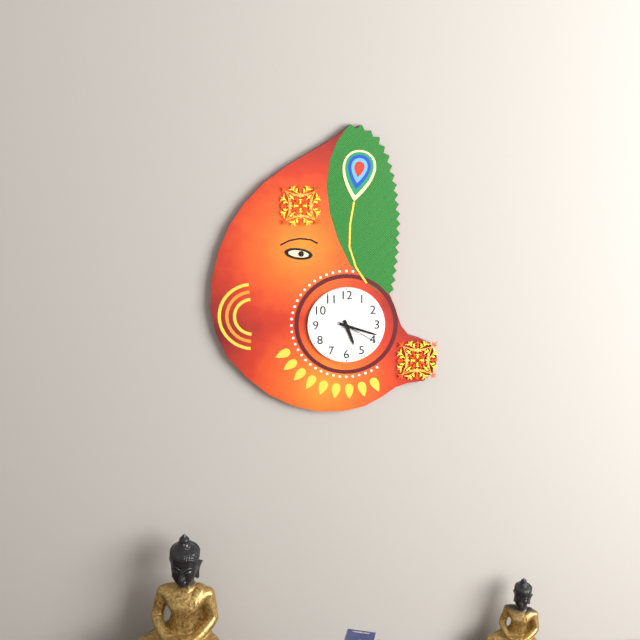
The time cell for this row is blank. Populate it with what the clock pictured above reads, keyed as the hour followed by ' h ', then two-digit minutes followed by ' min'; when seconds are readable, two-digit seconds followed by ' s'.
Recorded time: 5 h 18 min
